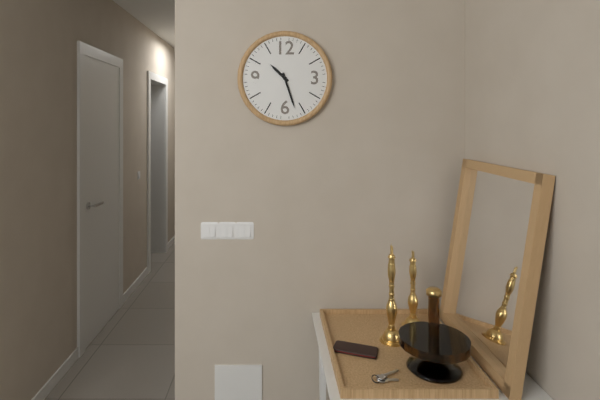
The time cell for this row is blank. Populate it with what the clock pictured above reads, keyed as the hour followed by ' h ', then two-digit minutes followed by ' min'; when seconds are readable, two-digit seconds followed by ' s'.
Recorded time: 10 h 27 min
